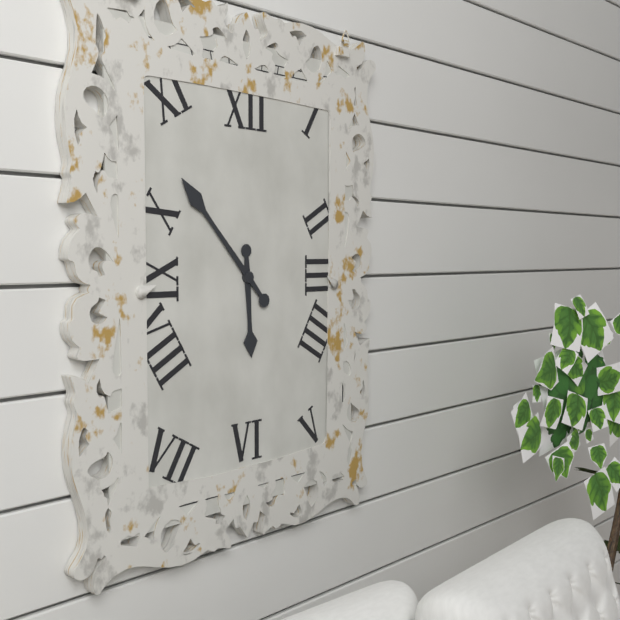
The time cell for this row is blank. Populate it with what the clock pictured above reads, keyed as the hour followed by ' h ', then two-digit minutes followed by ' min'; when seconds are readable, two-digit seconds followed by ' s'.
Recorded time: 5 h 53 min
